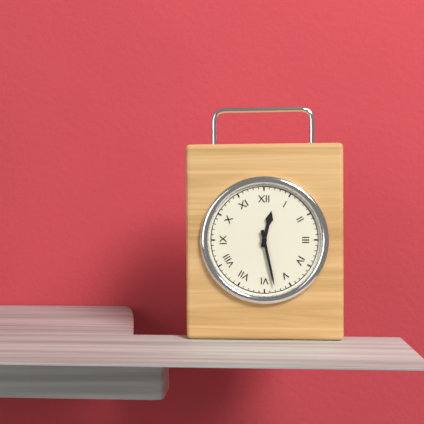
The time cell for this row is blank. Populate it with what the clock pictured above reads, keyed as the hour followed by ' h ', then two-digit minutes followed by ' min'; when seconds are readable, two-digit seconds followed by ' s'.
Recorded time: 12 h 28 min
